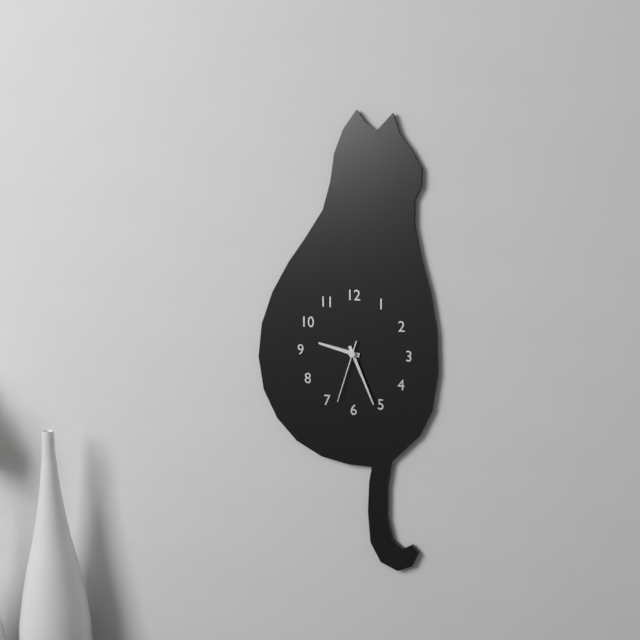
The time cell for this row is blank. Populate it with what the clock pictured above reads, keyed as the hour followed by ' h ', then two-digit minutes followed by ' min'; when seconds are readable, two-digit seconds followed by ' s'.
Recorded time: 9 h 26 min 33 s
